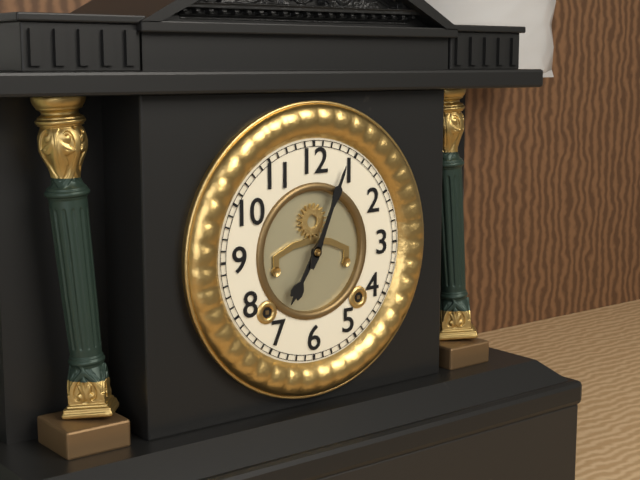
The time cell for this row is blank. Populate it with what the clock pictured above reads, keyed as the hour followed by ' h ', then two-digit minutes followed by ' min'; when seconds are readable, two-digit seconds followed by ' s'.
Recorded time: 7 h 04 min
